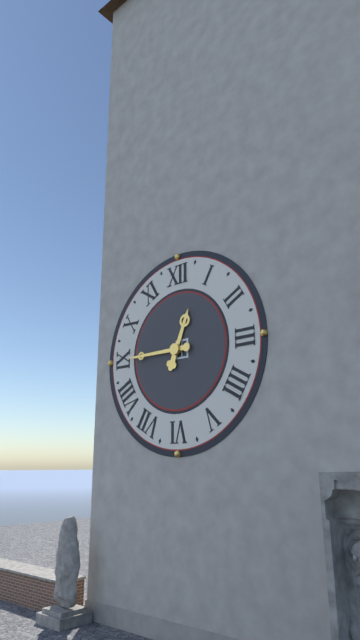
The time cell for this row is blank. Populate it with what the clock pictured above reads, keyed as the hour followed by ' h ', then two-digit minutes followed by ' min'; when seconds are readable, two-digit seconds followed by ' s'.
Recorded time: 12 h 45 min
